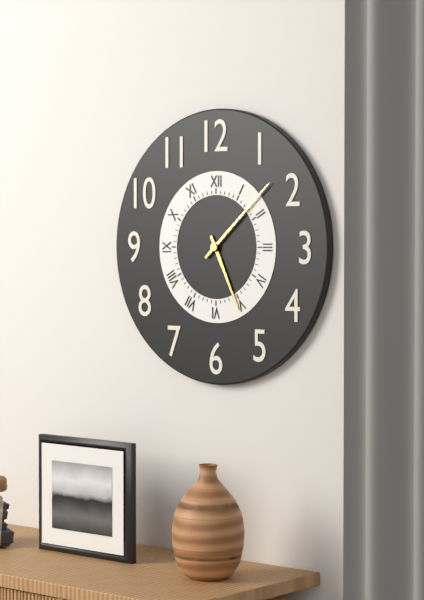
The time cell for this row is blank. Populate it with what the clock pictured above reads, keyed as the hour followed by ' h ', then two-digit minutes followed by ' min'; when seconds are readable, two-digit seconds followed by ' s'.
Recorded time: 5 h 08 min
